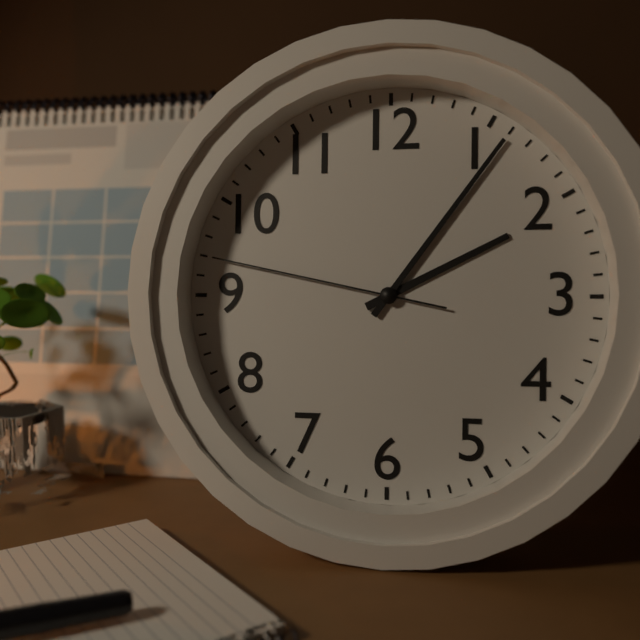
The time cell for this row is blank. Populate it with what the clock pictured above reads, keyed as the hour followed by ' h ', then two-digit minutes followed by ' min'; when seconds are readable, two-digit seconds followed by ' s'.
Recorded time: 2 h 06 min 47 s
